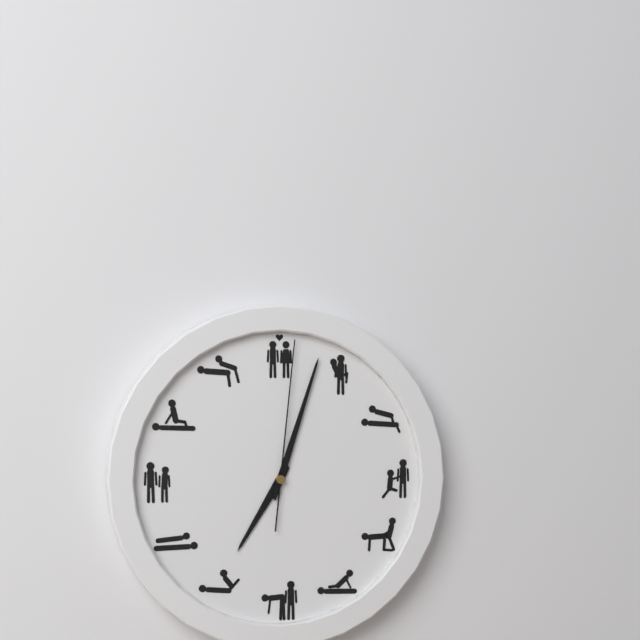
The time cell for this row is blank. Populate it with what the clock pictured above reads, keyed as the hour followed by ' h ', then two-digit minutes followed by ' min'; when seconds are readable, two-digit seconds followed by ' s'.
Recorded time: 7 h 03 min 01 s
